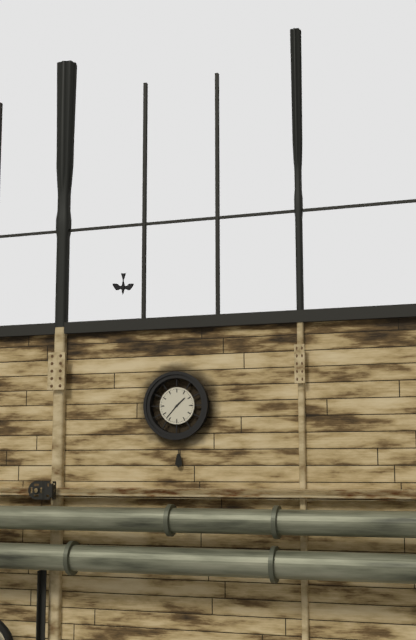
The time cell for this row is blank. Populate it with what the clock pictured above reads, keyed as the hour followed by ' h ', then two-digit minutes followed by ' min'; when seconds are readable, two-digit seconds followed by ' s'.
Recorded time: 1 h 37 min
